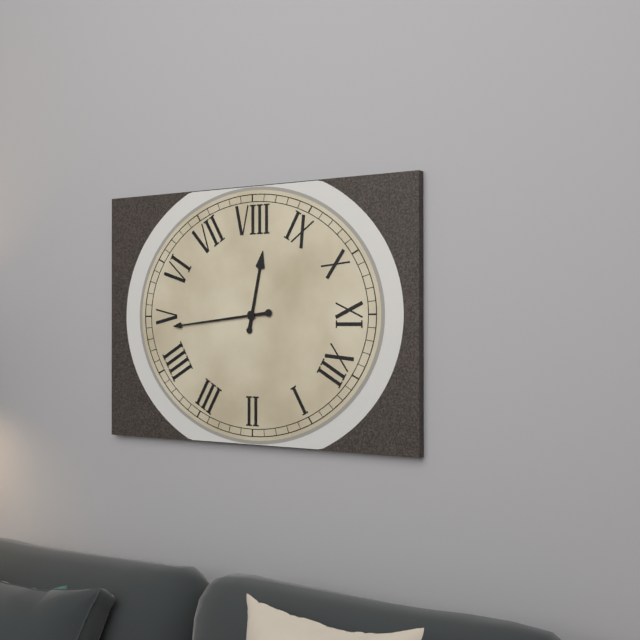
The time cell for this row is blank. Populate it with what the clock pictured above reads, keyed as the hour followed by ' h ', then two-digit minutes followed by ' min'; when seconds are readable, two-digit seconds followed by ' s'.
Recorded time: 8 h 24 min
